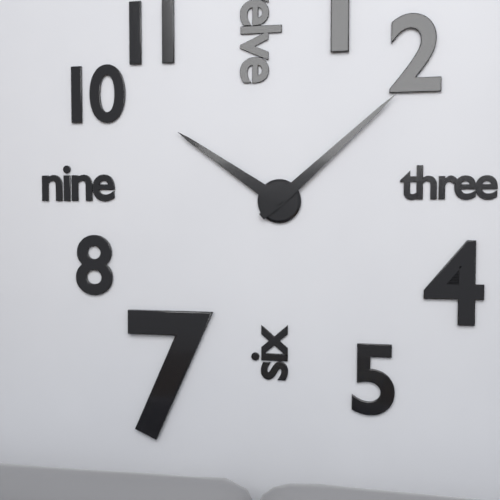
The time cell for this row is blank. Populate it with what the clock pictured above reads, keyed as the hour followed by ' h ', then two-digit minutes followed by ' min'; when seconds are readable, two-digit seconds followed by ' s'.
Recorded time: 10 h 08 min
